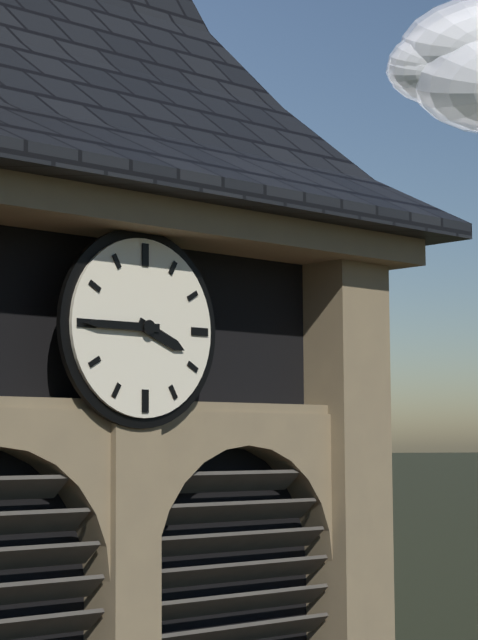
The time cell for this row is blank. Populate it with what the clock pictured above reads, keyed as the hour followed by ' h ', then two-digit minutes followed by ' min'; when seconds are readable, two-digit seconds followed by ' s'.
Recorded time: 3 h 45 min
